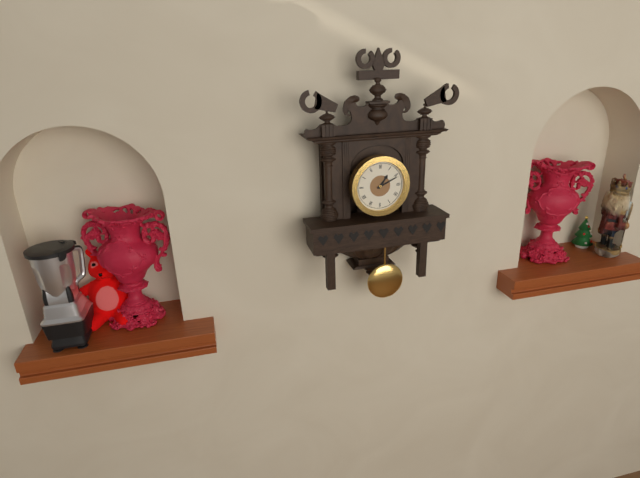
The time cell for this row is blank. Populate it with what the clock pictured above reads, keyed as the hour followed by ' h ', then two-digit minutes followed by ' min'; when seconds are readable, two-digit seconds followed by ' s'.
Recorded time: 1 h 11 min
